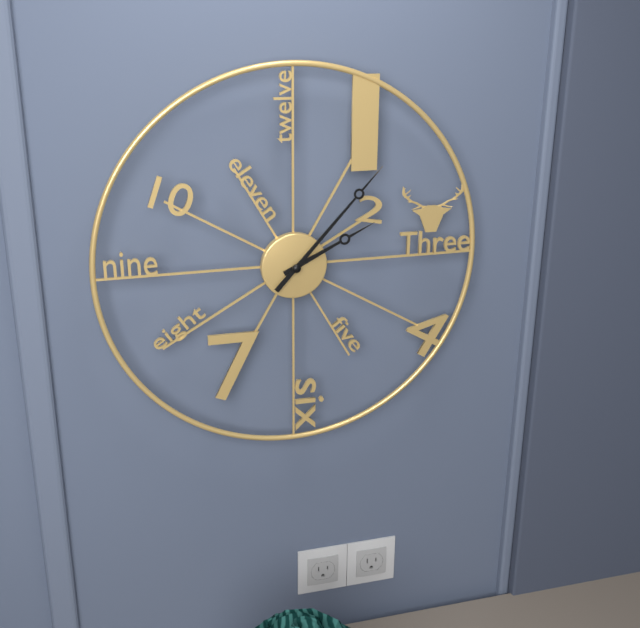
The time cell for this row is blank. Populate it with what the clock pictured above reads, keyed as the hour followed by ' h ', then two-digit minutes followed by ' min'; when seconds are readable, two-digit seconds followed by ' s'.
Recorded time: 2 h 07 min
